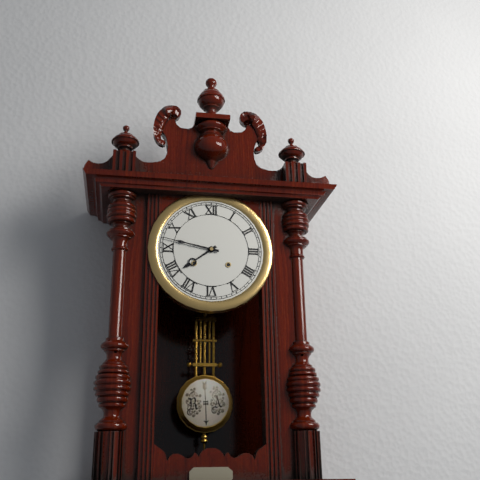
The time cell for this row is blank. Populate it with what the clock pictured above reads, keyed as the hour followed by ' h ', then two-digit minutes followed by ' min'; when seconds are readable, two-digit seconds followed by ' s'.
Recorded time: 7 h 47 min
